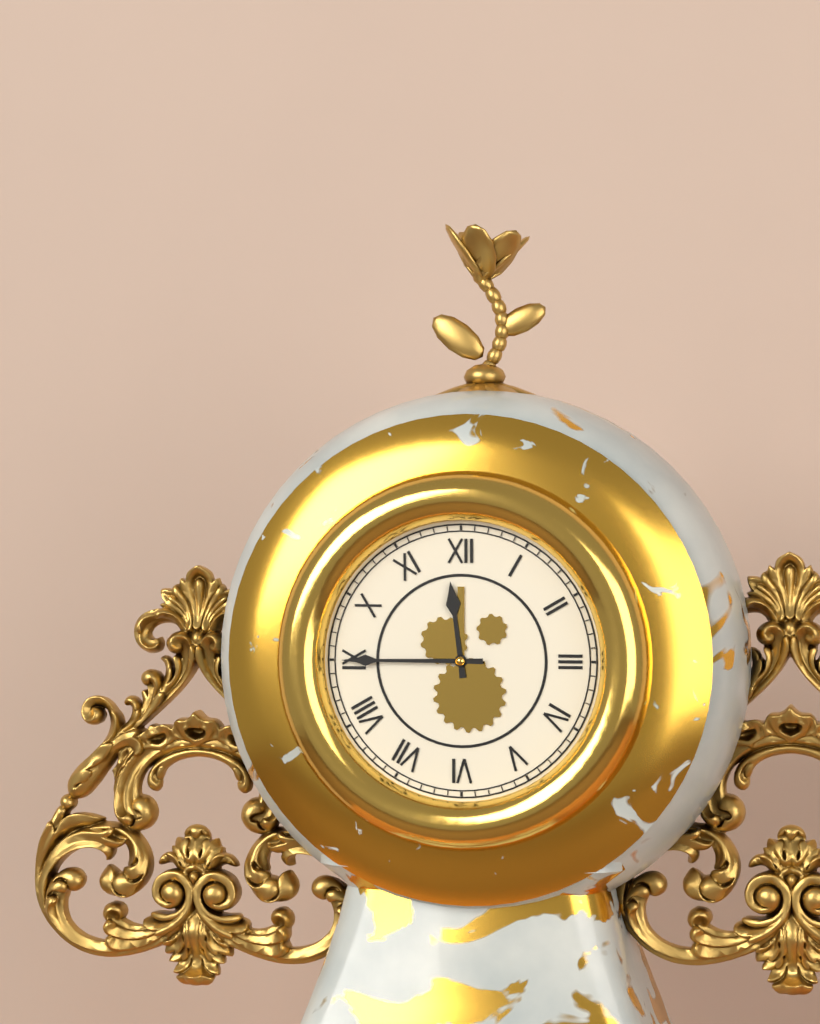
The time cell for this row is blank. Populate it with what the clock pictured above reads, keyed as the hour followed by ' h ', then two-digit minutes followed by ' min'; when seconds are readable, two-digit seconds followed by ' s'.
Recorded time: 11 h 45 min
